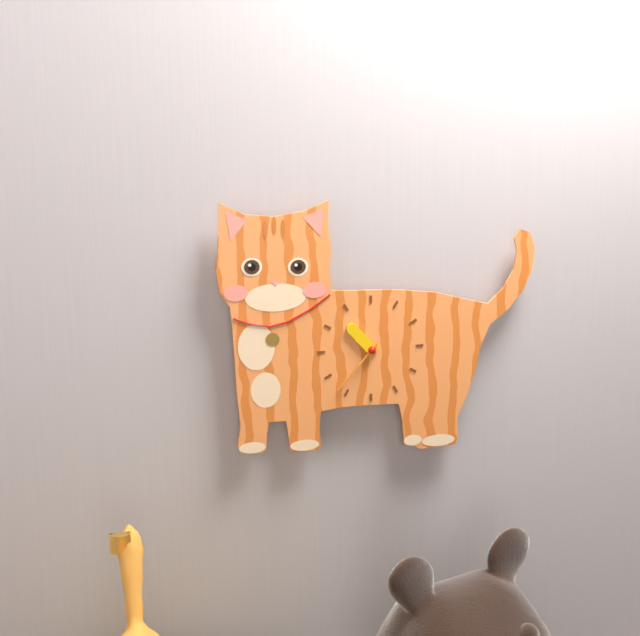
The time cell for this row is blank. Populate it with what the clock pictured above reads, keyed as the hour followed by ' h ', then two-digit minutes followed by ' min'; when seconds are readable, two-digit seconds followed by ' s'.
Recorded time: 10 h 37 min
